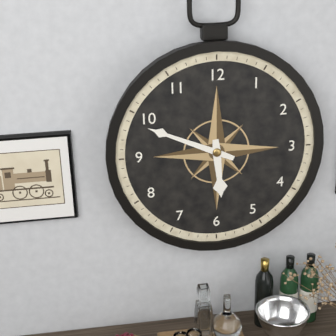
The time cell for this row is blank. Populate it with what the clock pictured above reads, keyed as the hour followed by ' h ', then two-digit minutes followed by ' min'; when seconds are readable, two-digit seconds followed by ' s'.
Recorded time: 5 h 49 min
